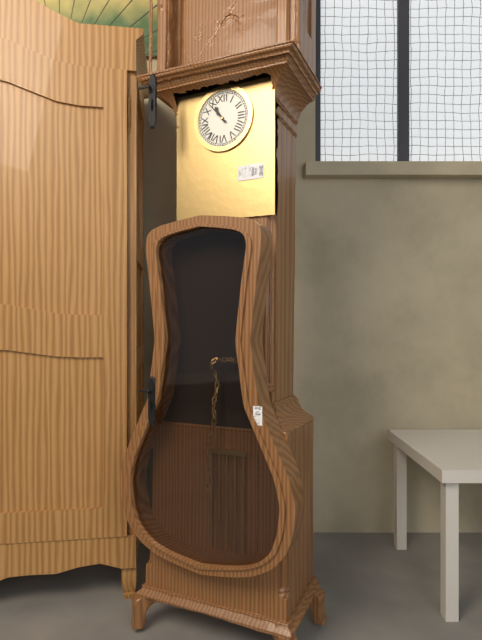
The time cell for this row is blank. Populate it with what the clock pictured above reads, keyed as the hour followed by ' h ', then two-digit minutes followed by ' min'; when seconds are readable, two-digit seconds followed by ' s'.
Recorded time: 10 h 53 min
